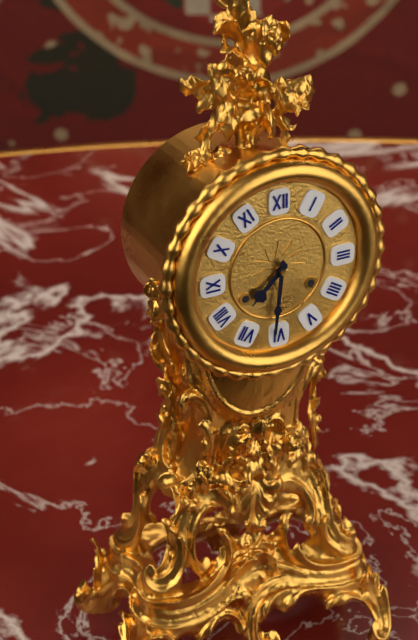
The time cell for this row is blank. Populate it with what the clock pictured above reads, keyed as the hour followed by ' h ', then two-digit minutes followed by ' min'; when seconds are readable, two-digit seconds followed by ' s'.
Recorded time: 7 h 31 min
